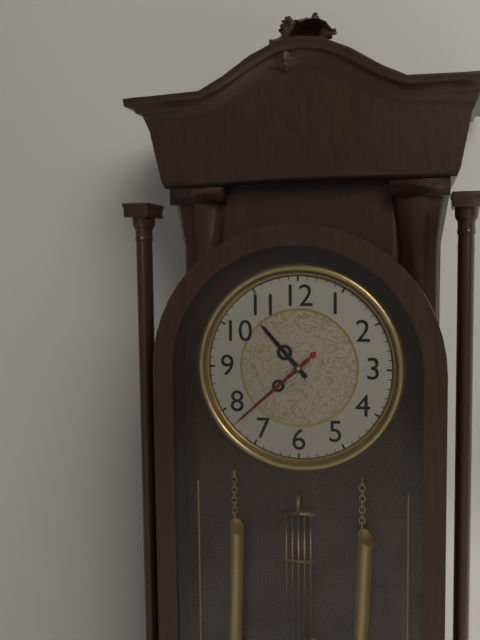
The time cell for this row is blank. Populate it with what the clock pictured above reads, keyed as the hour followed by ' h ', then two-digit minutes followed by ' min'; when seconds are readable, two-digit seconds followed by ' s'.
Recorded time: 10 h 38 min 38 s
